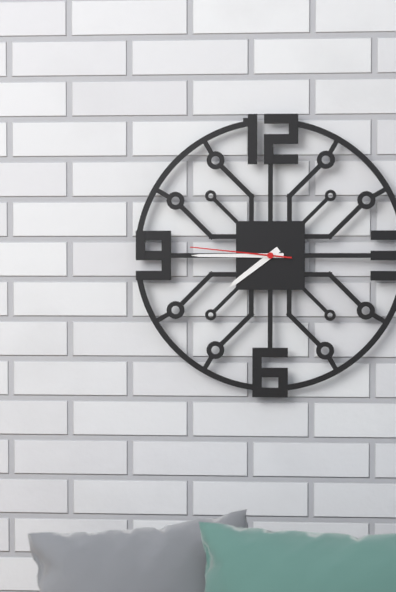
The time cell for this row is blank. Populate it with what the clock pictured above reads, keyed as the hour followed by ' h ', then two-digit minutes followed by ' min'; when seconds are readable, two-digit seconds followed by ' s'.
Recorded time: 7 h 45 min 46 s
